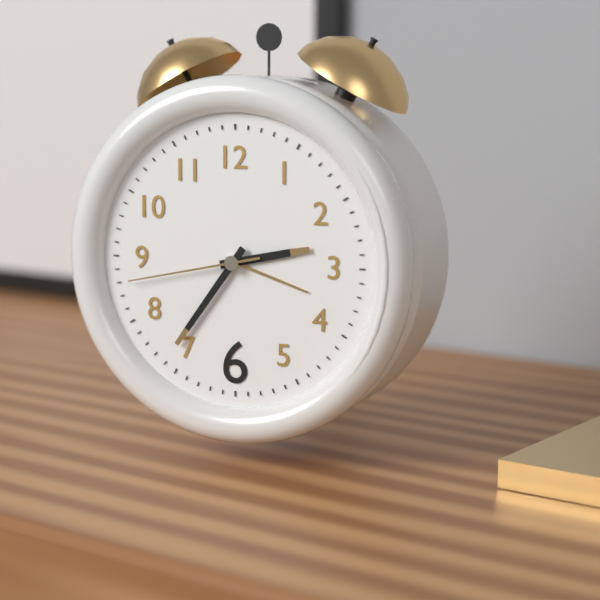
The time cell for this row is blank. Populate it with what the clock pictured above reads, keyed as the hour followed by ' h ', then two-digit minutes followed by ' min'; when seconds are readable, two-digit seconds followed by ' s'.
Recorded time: 2 h 36 min 43 s
